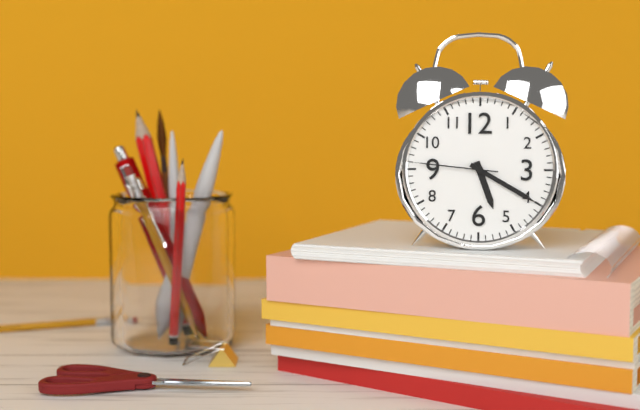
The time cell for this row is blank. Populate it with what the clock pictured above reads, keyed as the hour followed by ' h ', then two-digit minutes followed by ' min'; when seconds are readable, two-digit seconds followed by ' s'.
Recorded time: 5 h 20 min 46 s
